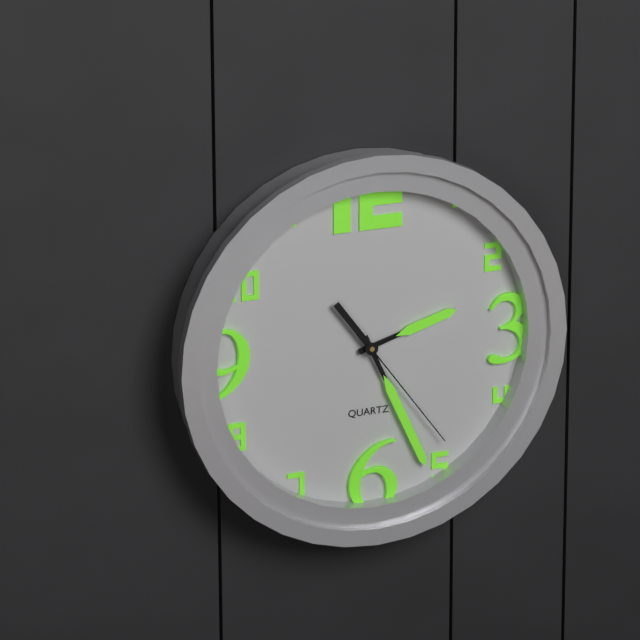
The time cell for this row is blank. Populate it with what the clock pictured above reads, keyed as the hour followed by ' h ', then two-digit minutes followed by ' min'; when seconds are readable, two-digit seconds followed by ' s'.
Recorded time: 2 h 26 min 24 s
